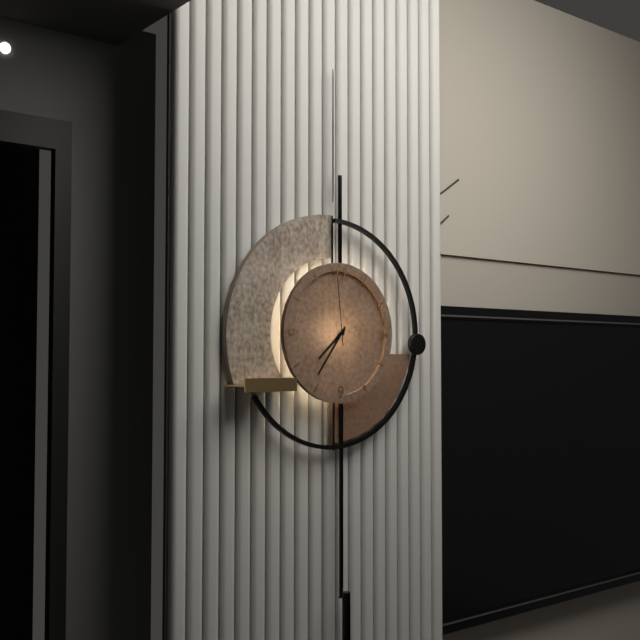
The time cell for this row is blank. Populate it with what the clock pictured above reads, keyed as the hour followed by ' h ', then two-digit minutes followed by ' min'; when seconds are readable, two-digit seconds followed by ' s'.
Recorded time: 7 h 36 min 59 s
